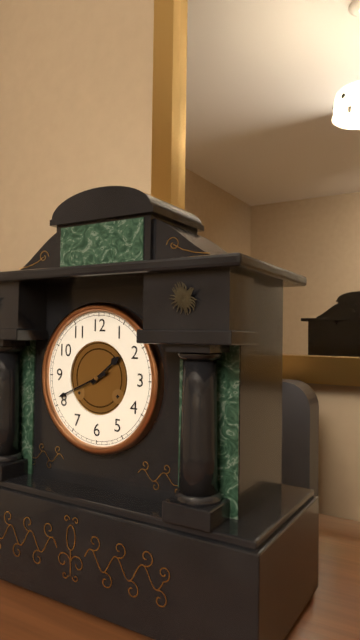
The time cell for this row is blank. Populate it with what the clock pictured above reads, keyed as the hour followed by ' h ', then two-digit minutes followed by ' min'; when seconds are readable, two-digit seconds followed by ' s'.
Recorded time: 1 h 41 min
